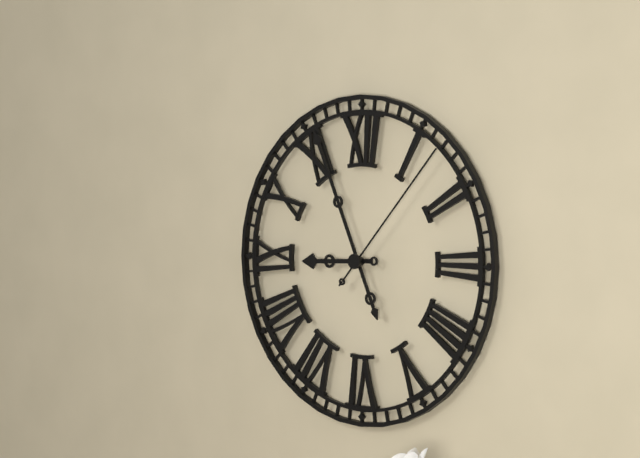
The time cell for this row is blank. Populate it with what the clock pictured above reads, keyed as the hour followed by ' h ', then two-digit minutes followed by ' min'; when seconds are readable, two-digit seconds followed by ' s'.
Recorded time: 8 h 56 min 07 s
